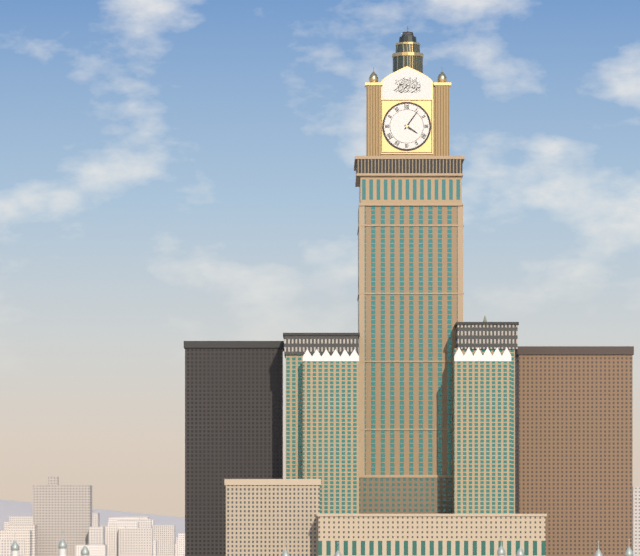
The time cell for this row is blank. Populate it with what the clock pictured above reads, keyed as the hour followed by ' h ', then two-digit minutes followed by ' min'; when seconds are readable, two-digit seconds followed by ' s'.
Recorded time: 4 h 06 min
